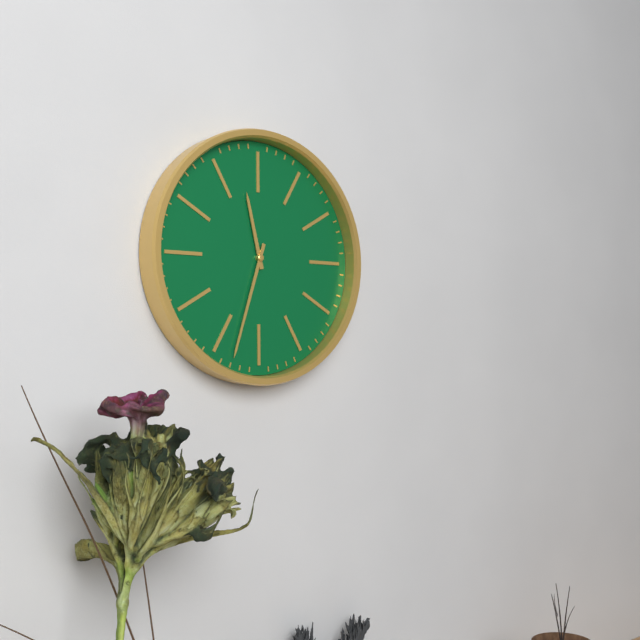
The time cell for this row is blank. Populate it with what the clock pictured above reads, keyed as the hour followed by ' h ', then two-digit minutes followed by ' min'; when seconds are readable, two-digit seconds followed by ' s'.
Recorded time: 11 h 33 min
